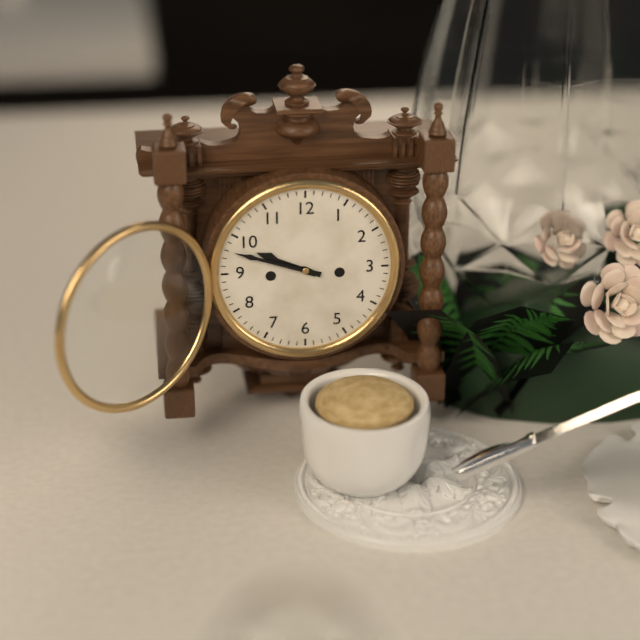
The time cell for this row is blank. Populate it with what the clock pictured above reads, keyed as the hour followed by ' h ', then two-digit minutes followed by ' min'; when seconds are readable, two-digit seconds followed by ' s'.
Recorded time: 9 h 48 min
